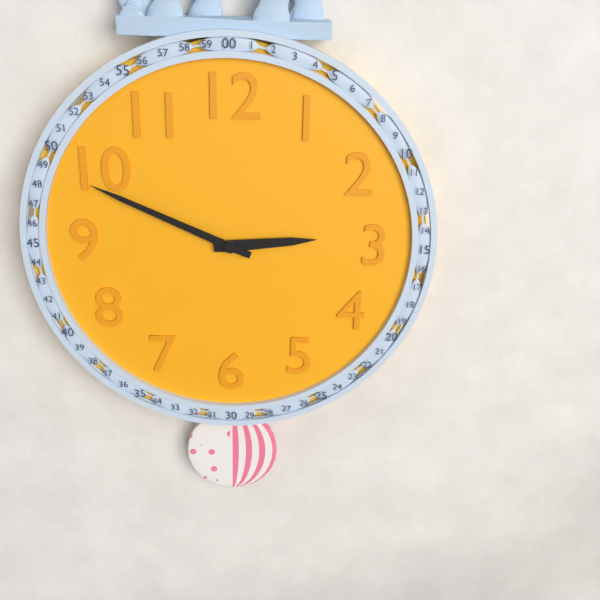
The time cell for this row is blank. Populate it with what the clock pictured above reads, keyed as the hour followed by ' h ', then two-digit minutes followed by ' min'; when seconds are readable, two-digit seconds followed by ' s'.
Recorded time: 2 h 49 min
